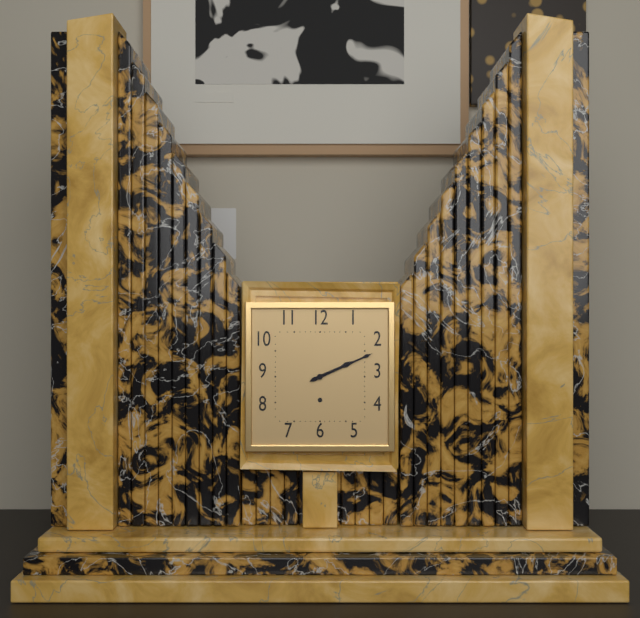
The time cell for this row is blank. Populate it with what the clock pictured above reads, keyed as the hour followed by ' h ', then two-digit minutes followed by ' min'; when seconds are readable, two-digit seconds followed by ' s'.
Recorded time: 2 h 11 min
